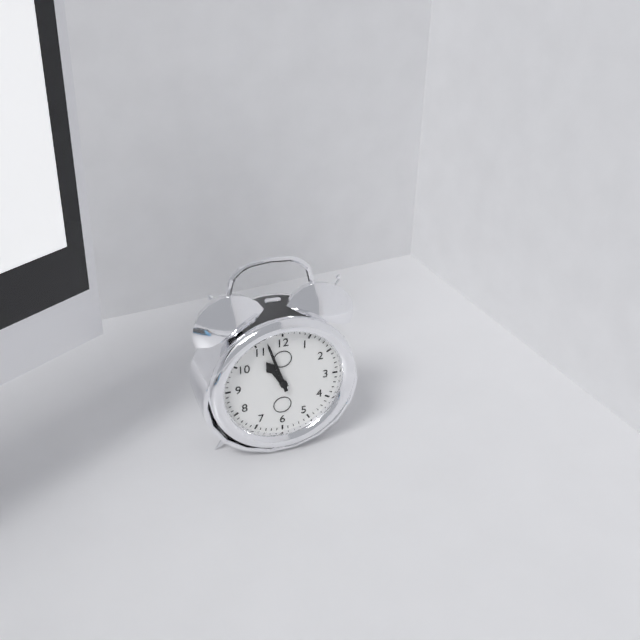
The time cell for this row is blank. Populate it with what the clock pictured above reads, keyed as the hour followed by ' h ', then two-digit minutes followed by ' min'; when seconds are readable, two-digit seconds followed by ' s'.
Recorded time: 10 h 57 min
